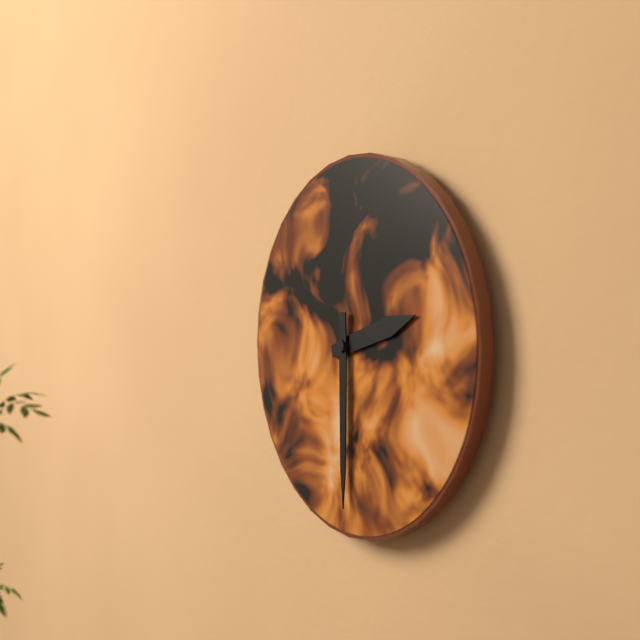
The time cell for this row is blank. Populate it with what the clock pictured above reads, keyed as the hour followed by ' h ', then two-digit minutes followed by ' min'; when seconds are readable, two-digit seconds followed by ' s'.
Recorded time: 2 h 30 min
